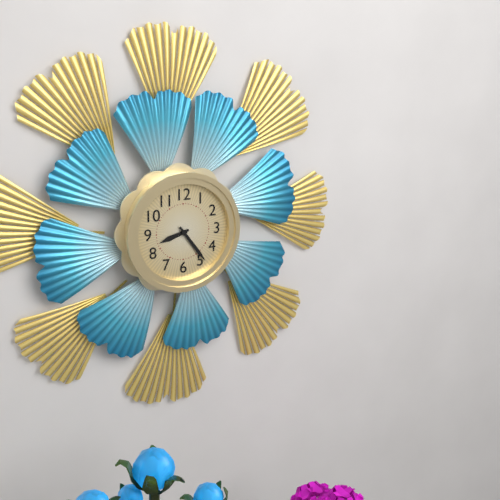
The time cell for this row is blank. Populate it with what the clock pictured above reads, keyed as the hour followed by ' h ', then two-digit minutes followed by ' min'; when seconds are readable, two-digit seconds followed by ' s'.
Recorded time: 8 h 24 min
